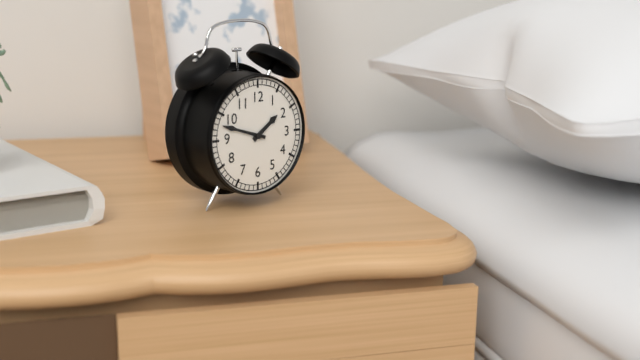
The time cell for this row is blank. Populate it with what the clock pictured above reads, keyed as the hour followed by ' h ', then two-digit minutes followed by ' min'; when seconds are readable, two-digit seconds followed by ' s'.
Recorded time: 1 h 48 min
